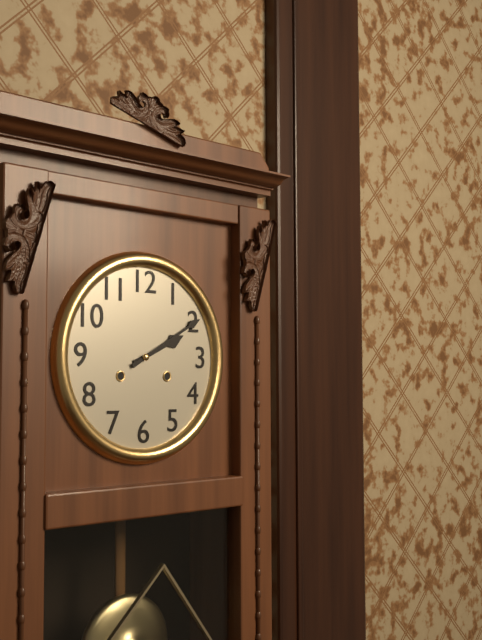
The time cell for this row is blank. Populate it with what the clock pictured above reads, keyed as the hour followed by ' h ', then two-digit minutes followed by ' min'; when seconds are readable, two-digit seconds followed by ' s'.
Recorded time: 2 h 10 min
